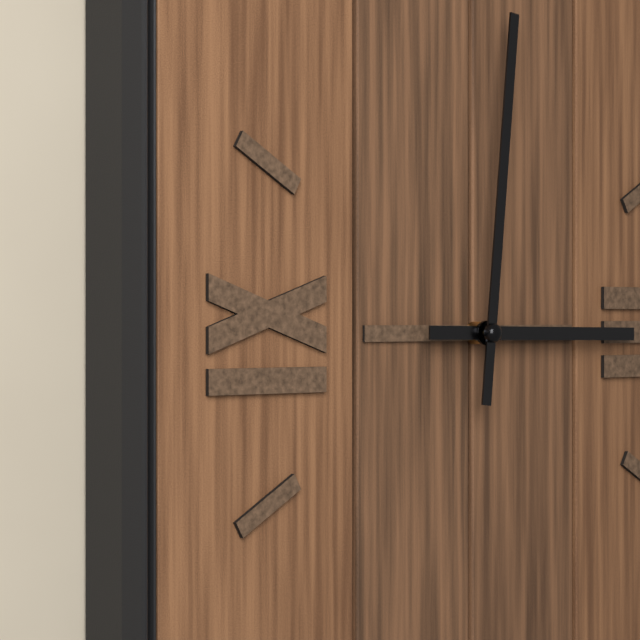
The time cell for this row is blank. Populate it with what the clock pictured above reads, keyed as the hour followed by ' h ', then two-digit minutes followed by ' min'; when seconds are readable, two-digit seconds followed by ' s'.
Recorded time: 3 h 01 min
